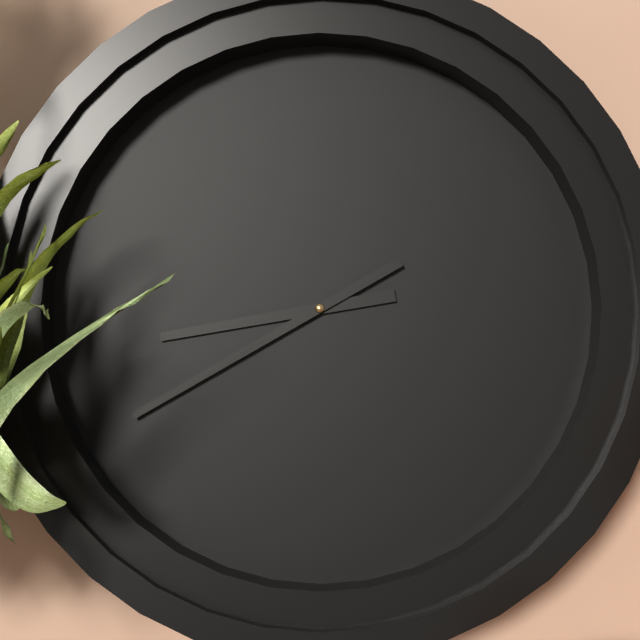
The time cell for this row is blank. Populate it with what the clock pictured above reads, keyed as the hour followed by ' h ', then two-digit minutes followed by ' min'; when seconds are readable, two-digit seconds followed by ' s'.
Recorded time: 8 h 40 min
